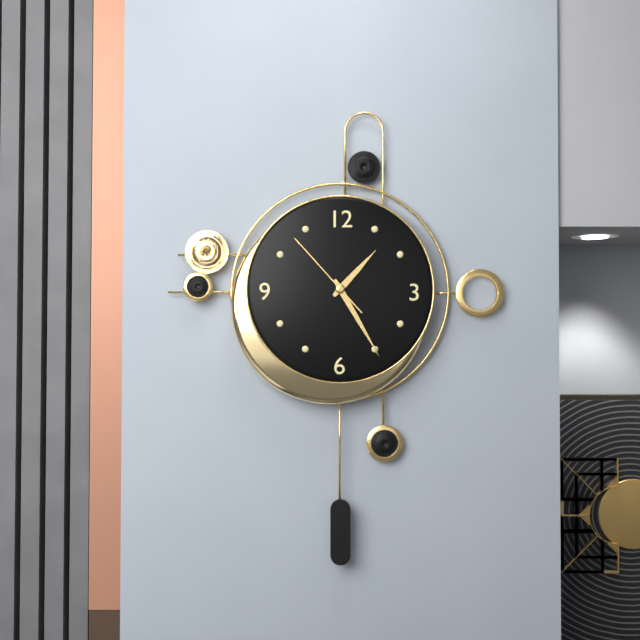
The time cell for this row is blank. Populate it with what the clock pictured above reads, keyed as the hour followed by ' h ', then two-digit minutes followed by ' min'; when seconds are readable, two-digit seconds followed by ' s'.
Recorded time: 1 h 25 min 53 s
